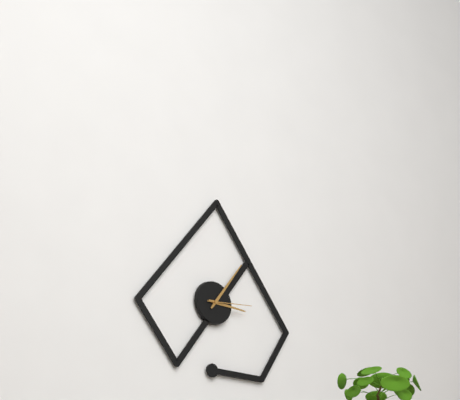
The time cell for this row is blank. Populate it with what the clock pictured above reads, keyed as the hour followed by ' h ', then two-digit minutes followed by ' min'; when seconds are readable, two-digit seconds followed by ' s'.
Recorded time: 3 h 06 min 14 s
